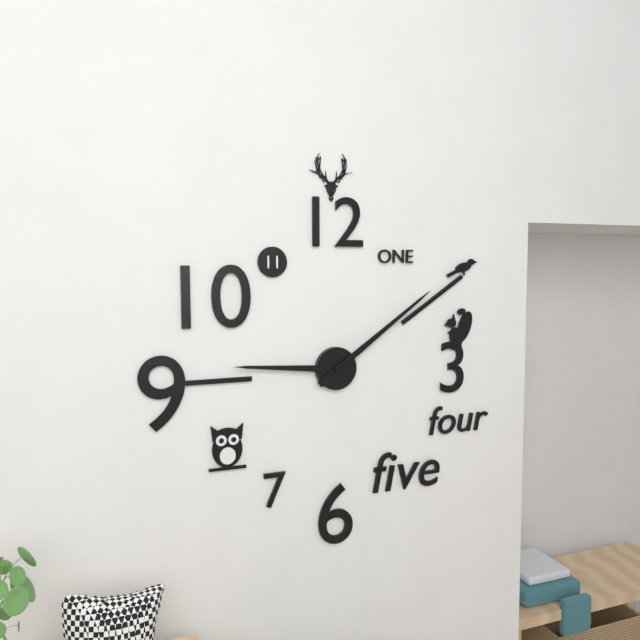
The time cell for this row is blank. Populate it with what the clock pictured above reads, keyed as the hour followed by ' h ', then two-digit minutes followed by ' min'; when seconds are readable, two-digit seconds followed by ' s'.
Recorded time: 9 h 09 min
